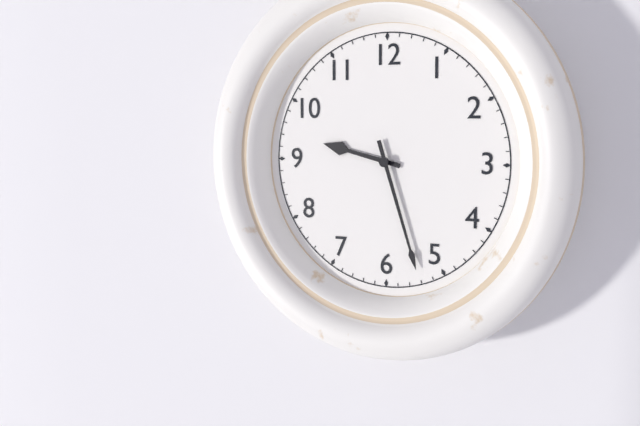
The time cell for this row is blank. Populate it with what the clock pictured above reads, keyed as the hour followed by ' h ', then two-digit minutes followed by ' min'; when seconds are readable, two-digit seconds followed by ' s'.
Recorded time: 9 h 27 min
